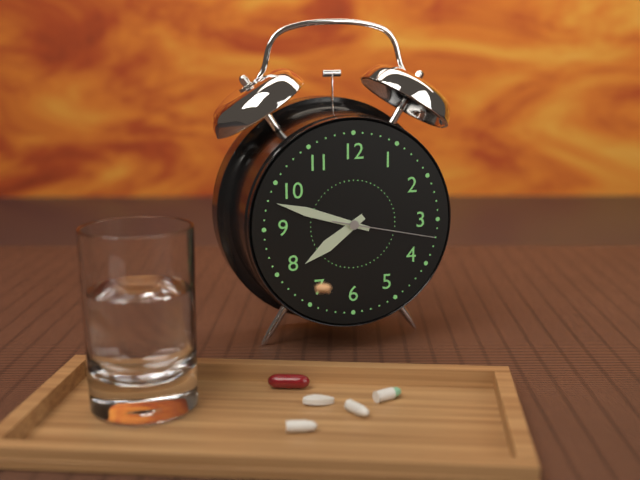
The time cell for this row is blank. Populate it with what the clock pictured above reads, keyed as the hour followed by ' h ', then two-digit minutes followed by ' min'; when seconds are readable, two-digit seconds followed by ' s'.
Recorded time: 7 h 48 min 17 s
